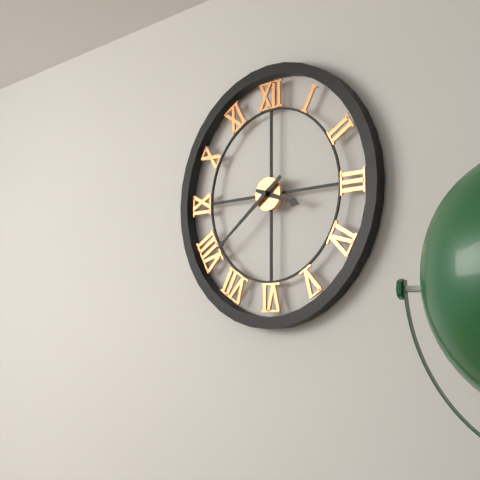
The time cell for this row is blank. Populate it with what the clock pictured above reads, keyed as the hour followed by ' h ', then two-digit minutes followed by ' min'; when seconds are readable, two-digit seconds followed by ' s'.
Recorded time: 3 h 39 min
